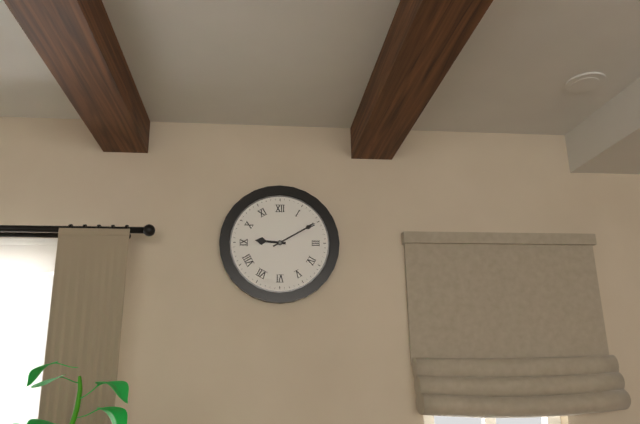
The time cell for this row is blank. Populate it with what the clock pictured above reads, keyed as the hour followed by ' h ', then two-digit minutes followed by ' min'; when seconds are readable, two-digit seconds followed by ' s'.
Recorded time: 9 h 10 min
